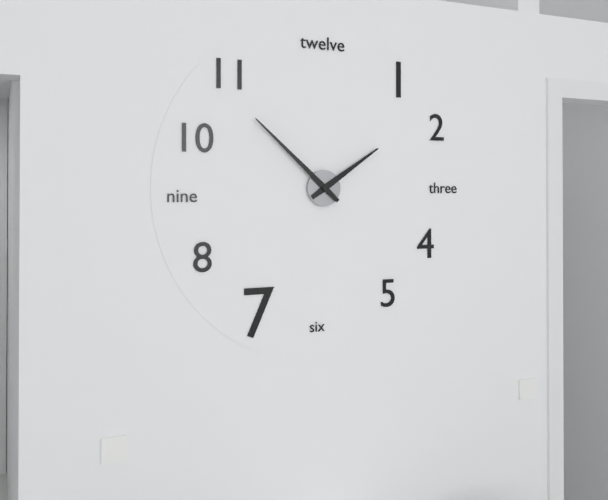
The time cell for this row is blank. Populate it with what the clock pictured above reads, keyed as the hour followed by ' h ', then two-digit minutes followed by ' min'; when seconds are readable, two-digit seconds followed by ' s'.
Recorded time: 1 h 52 min
